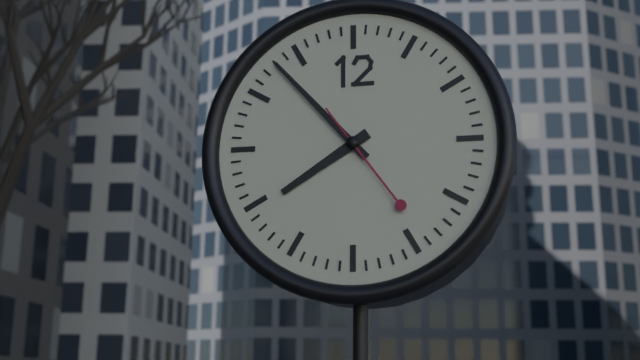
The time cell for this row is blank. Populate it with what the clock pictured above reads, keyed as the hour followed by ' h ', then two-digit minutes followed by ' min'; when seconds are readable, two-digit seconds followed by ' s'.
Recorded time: 7 h 53 min 24 s
